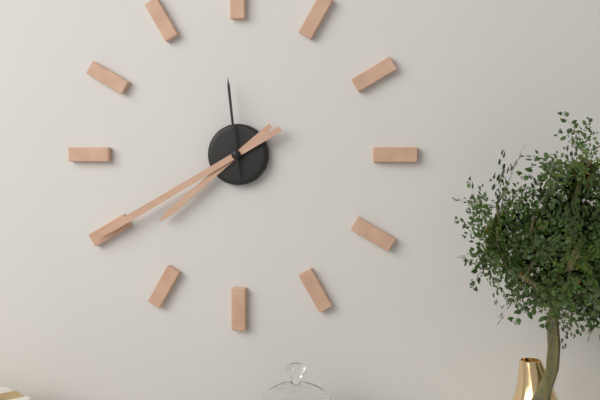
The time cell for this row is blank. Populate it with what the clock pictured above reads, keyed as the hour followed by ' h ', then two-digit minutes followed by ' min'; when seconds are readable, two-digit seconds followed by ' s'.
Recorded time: 7 h 40 min 59 s
